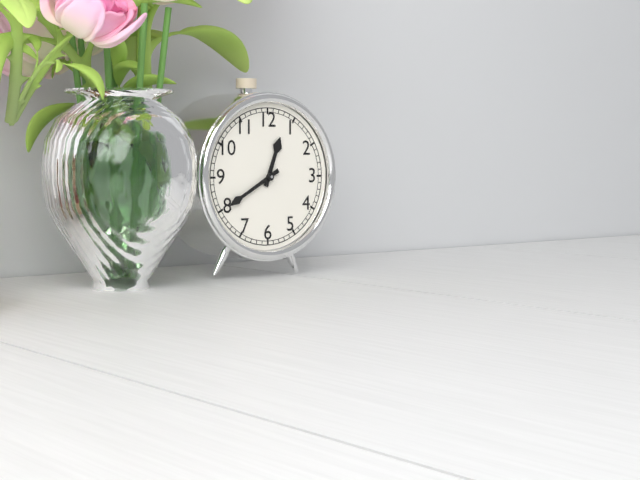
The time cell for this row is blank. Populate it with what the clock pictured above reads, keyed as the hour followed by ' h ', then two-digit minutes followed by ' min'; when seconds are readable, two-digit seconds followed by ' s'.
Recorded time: 12 h 40 min
